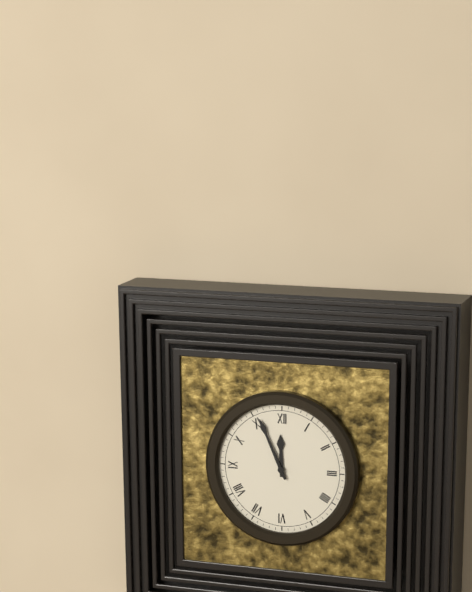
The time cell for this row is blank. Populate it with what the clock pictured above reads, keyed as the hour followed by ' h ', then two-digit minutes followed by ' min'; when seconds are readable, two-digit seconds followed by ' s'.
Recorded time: 11 h 56 min
